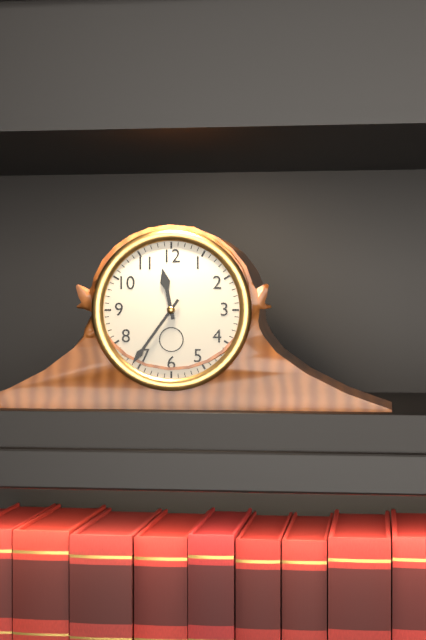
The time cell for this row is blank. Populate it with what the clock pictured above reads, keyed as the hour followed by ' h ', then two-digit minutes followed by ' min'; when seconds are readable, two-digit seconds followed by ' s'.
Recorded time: 11 h 36 min
